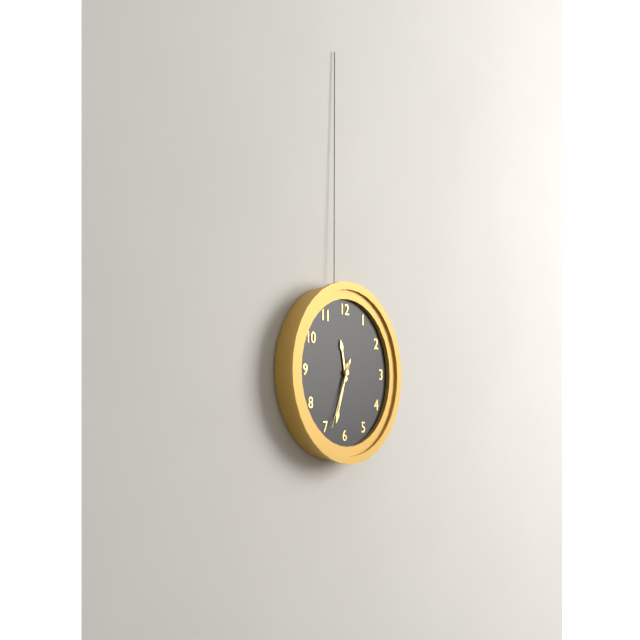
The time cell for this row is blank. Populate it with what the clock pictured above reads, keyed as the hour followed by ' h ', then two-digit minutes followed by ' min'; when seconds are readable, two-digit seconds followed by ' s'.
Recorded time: 11 h 33 min 34 s
